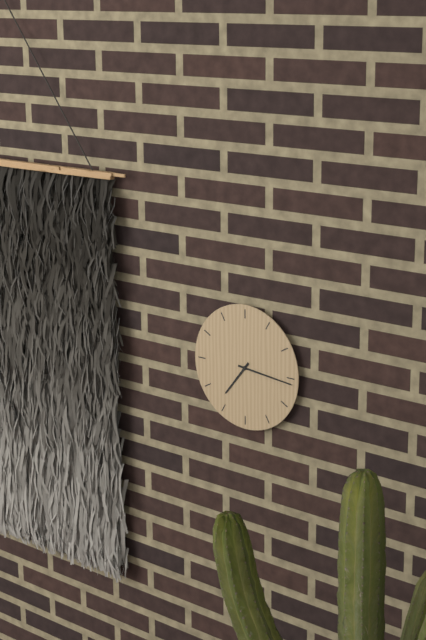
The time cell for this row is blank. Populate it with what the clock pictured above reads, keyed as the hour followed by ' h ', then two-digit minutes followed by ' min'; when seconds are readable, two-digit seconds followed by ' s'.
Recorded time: 7 h 16 min
